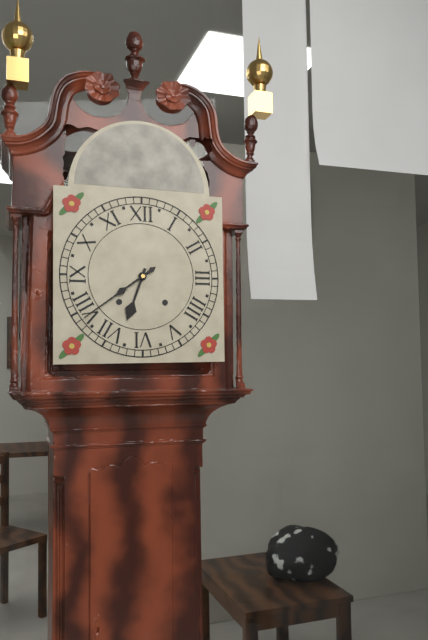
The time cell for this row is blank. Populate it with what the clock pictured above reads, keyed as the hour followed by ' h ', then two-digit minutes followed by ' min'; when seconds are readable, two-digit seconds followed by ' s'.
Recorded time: 6 h 39 min
